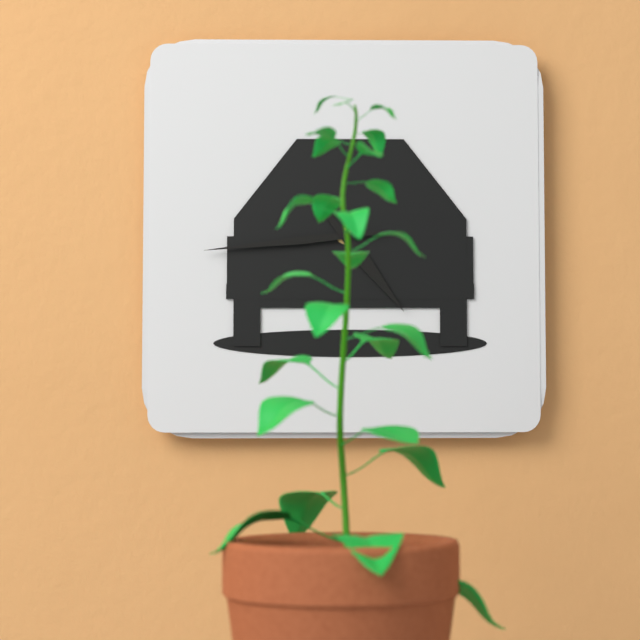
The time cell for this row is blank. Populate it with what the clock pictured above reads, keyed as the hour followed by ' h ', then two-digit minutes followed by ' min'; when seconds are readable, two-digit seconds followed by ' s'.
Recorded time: 4 h 44 min
